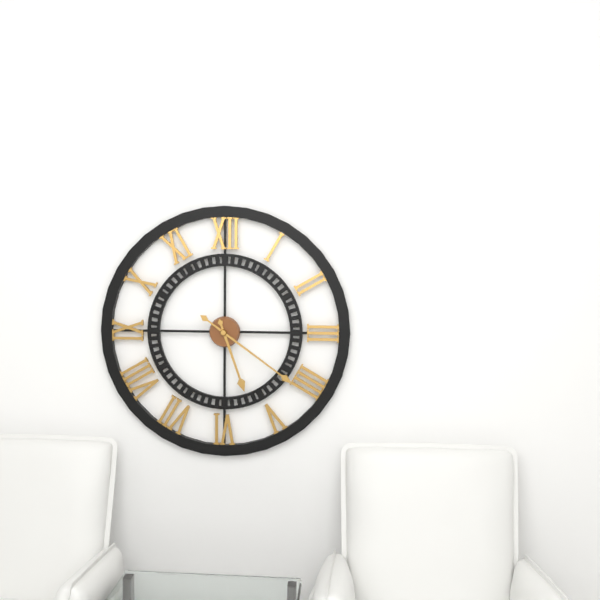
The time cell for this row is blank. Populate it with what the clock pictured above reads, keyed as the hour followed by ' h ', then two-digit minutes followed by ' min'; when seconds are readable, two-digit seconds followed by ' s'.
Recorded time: 5 h 21 min
